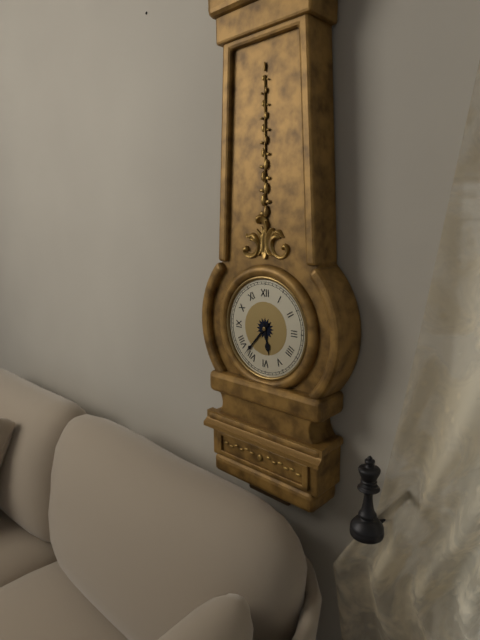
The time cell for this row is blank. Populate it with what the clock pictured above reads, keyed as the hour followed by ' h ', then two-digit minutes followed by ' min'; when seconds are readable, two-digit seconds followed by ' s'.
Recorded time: 5 h 37 min
